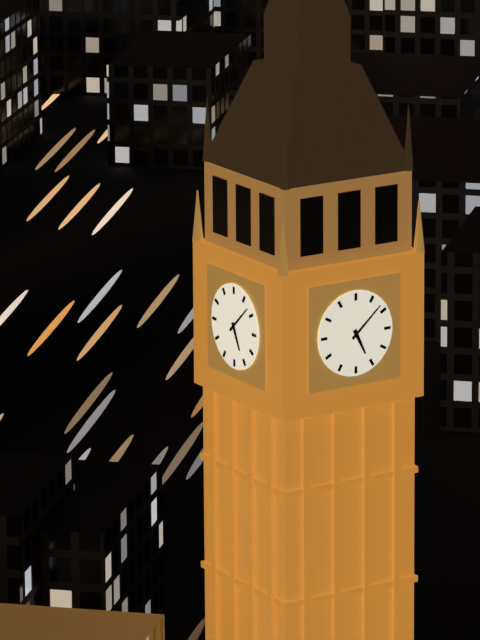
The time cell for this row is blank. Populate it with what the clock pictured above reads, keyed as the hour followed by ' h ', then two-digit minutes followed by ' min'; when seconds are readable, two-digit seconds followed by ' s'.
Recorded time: 5 h 08 min
